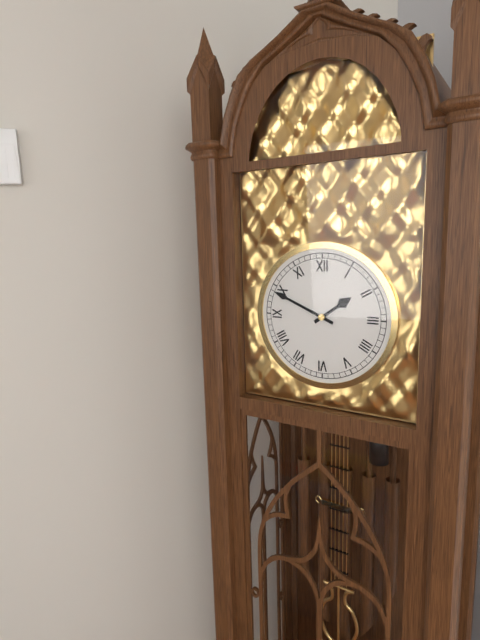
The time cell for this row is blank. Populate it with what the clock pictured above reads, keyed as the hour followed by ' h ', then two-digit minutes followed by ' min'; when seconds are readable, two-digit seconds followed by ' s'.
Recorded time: 1 h 49 min
